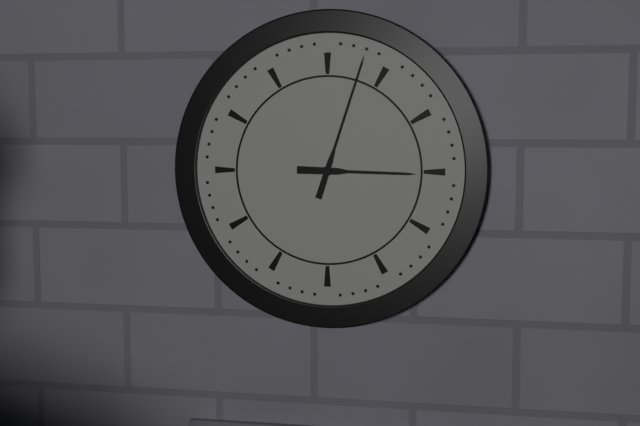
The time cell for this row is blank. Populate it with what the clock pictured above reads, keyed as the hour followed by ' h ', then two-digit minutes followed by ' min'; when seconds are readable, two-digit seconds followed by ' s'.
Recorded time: 3 h 03 min
